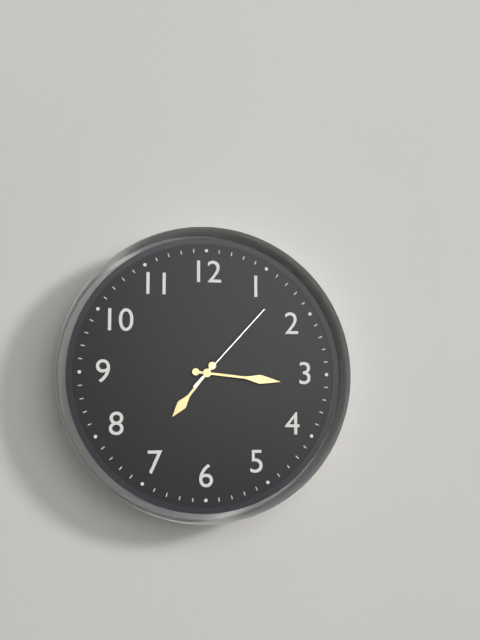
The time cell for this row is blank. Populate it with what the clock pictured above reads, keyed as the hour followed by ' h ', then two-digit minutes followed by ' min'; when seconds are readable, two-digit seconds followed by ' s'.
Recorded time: 7 h 16 min 07 s
